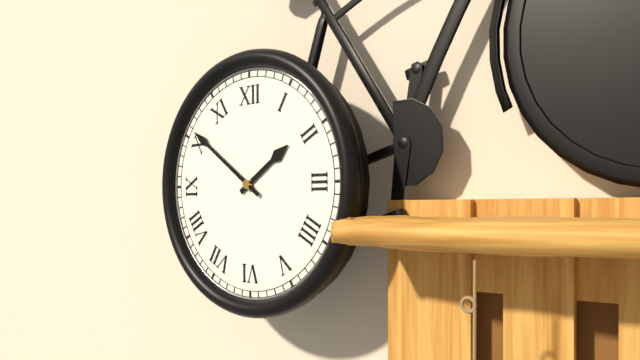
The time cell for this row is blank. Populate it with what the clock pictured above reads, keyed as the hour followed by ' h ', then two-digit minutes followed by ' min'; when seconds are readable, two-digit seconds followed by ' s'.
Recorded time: 1 h 51 min
